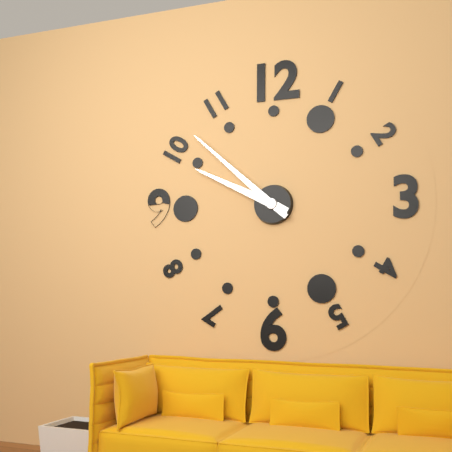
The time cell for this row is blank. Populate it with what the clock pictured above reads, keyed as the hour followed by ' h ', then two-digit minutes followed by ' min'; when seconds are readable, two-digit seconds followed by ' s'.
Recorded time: 9 h 52 min
